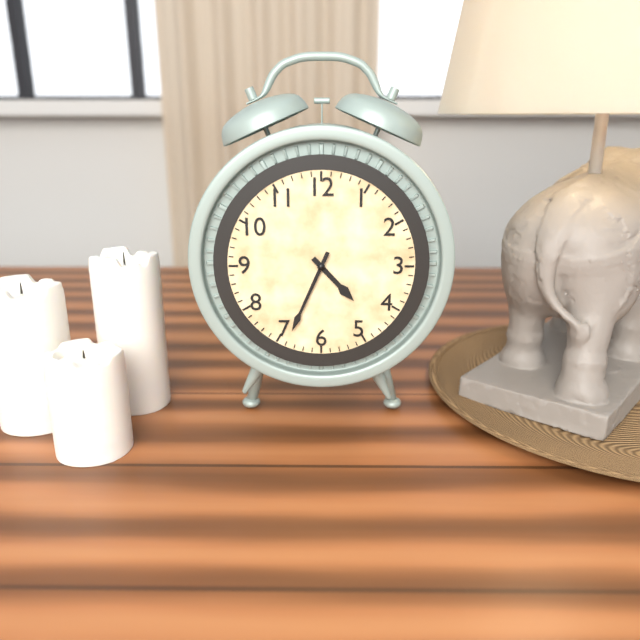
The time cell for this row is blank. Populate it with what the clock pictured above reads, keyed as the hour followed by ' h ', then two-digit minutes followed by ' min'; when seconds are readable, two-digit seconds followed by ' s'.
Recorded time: 4 h 34 min
